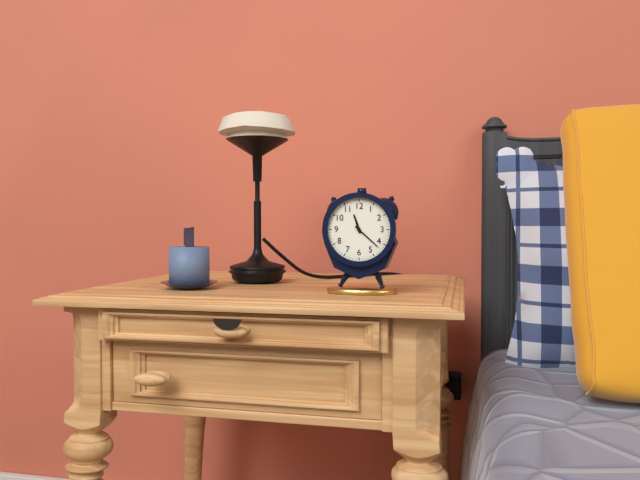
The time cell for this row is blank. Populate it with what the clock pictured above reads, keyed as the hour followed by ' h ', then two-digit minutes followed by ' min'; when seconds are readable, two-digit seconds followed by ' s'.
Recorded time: 11 h 22 min
